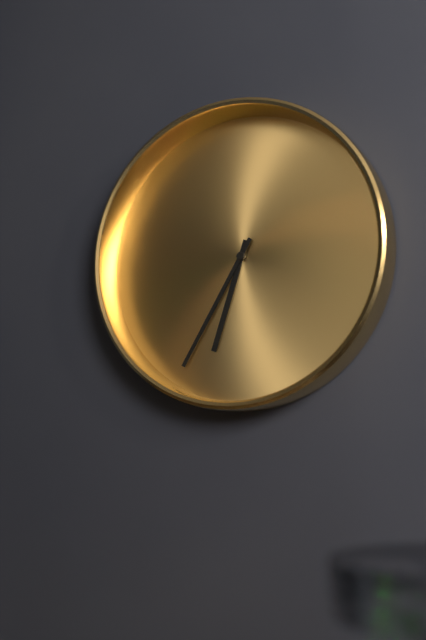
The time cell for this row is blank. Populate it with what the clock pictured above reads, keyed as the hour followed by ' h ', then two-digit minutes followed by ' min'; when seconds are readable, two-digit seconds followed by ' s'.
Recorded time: 6 h 35 min
